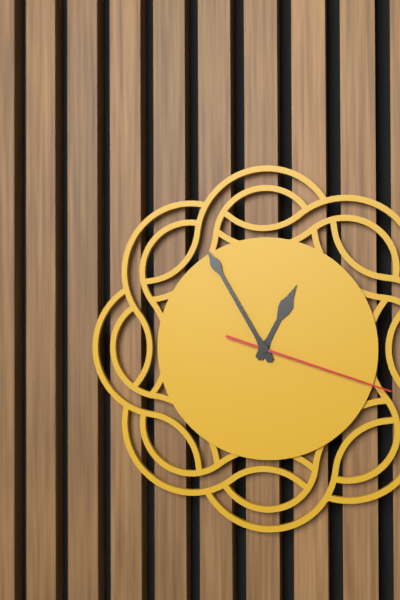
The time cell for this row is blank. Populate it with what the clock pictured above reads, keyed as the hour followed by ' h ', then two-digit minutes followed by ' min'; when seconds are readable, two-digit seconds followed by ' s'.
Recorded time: 12 h 55 min 18 s
